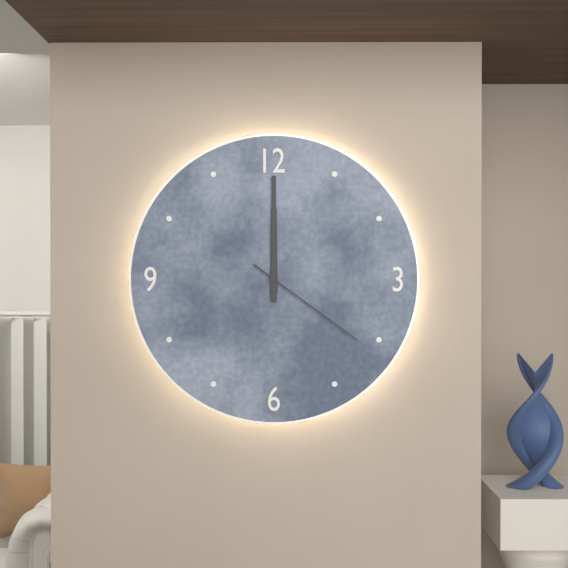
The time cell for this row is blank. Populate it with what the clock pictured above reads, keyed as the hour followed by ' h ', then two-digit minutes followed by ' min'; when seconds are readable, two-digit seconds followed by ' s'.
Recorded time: 12 h 00 min 21 s
